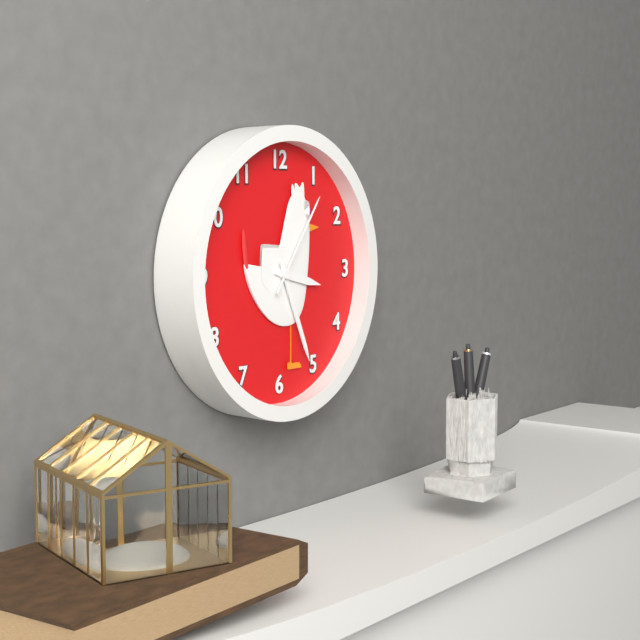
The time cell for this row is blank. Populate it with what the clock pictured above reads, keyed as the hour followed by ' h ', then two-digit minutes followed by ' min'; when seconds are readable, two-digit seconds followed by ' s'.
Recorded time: 3 h 26 min 06 s
